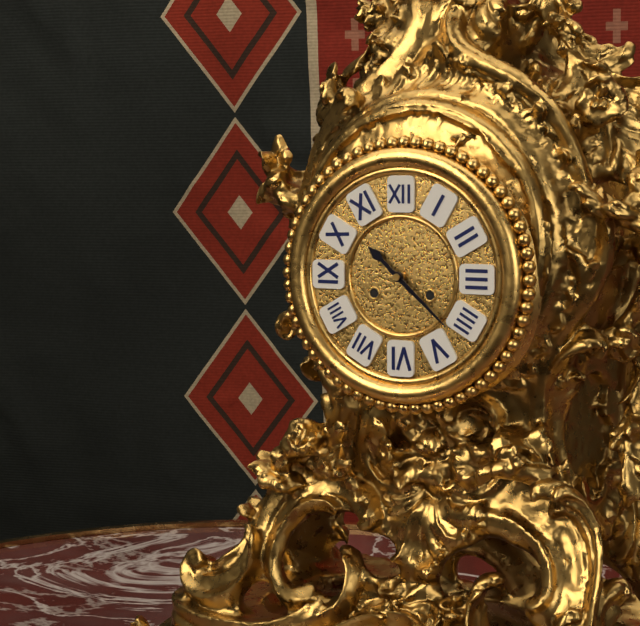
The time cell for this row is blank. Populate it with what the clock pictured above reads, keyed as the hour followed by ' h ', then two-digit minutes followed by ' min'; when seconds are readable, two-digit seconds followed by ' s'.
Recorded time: 10 h 22 min
